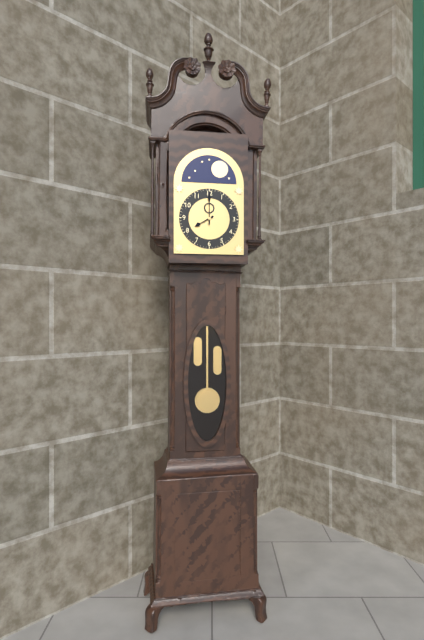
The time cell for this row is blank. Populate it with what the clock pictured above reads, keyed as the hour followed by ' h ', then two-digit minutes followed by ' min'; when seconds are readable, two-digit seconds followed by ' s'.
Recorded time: 8 h 00 min
